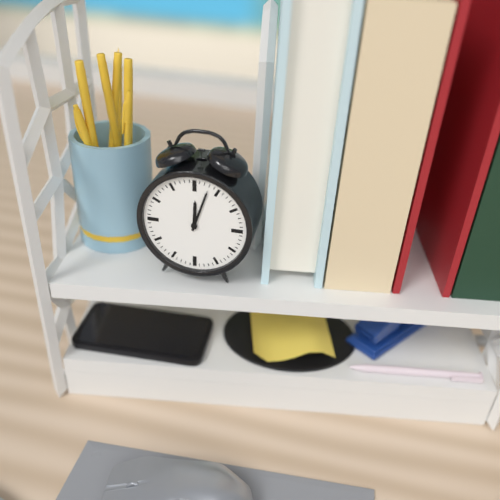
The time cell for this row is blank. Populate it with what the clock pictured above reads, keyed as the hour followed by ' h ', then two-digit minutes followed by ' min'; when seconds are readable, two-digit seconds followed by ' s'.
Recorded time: 12 h 03 min
